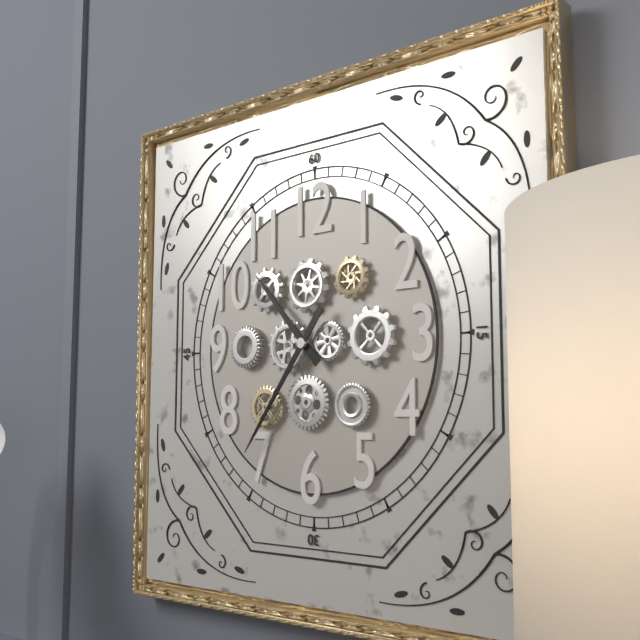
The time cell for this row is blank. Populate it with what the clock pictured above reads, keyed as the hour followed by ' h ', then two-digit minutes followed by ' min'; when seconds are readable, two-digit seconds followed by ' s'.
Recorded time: 10 h 36 min
